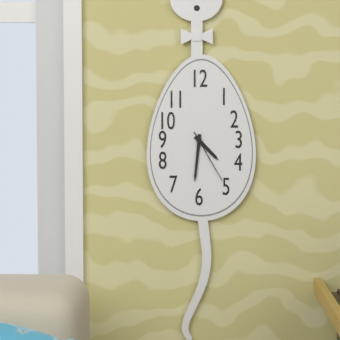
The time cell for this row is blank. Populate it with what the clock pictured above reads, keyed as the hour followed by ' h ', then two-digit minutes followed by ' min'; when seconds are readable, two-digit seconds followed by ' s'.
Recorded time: 4 h 31 min 25 s
